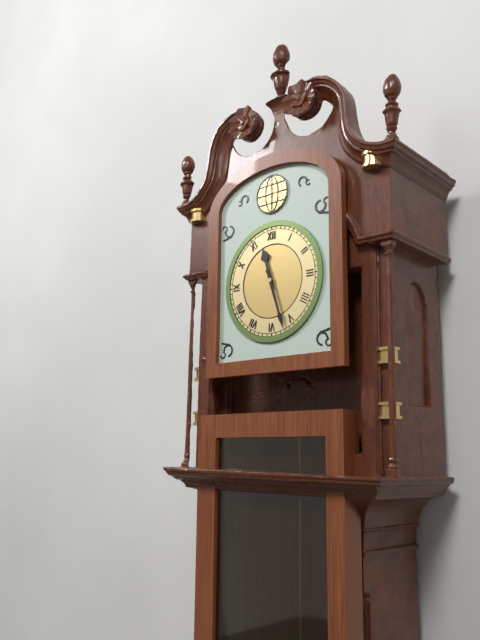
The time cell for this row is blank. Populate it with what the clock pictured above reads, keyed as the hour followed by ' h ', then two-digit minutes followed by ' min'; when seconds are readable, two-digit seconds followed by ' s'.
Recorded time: 11 h 27 min
